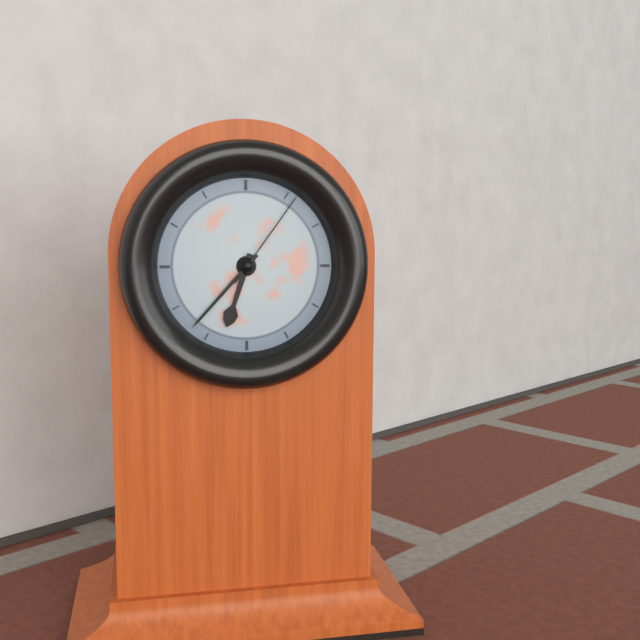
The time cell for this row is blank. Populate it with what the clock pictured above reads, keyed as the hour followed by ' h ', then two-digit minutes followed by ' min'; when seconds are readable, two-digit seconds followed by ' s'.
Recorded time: 6 h 37 min 06 s
